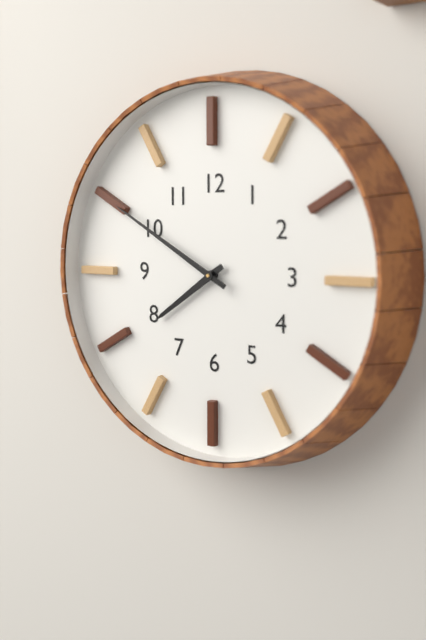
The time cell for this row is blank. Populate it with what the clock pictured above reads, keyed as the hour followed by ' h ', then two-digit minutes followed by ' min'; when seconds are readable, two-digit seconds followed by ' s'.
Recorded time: 7 h 50 min
